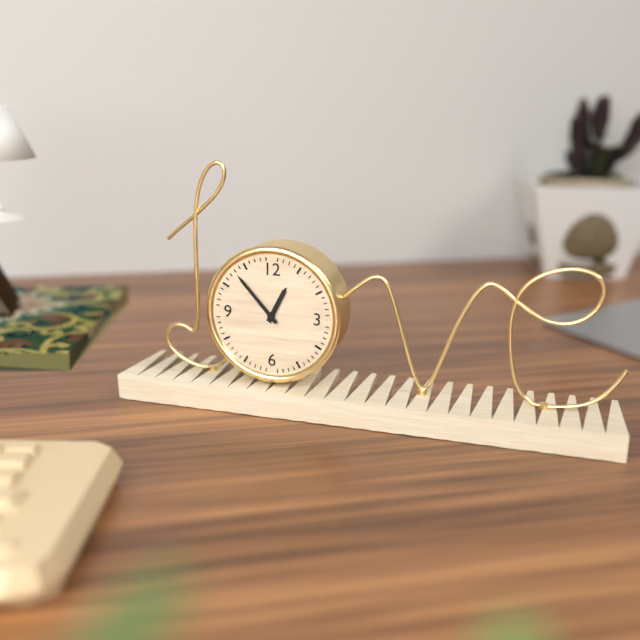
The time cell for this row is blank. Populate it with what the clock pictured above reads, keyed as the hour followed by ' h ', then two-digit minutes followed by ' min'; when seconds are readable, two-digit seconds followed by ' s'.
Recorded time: 12 h 53 min
